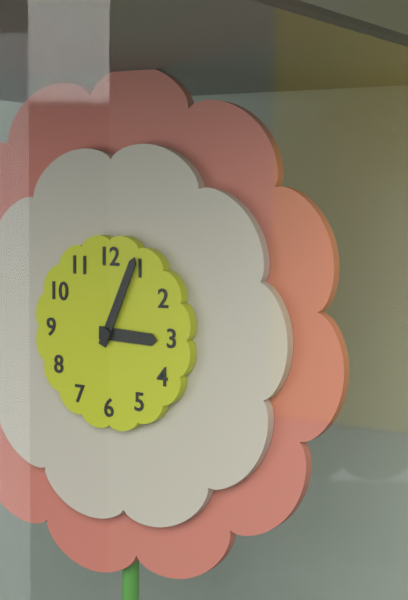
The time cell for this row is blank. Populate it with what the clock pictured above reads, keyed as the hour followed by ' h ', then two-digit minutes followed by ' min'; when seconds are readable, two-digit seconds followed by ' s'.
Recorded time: 3 h 04 min
